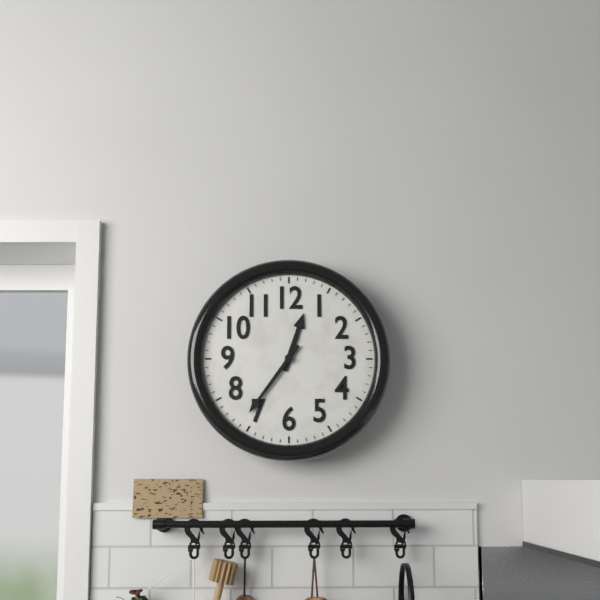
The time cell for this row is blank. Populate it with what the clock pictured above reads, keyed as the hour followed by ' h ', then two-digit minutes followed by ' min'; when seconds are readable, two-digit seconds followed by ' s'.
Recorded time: 12 h 36 min
